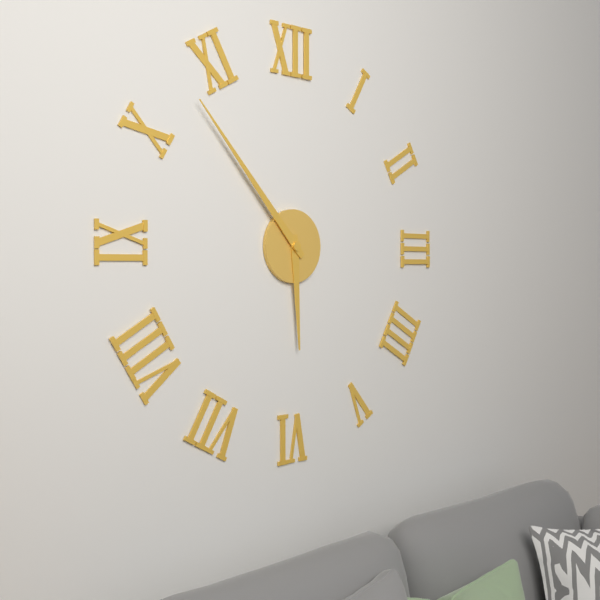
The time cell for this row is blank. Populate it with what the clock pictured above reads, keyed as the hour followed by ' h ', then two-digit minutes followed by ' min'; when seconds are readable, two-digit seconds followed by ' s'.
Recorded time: 5 h 53 min
